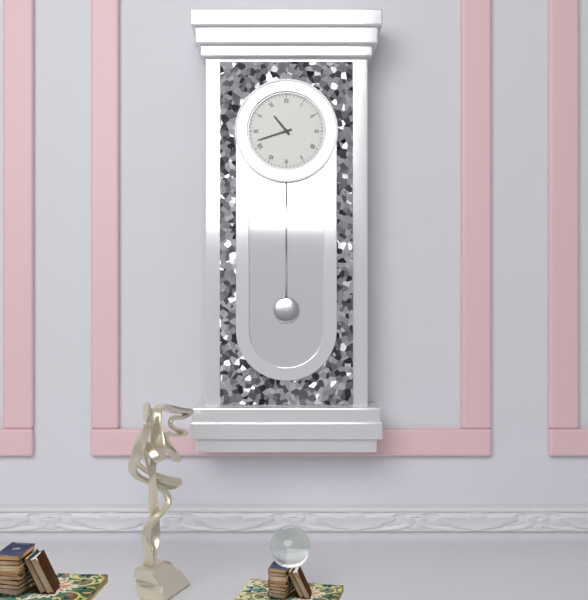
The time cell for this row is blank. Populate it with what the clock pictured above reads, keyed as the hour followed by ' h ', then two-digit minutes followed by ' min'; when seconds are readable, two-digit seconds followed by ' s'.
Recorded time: 10 h 42 min
